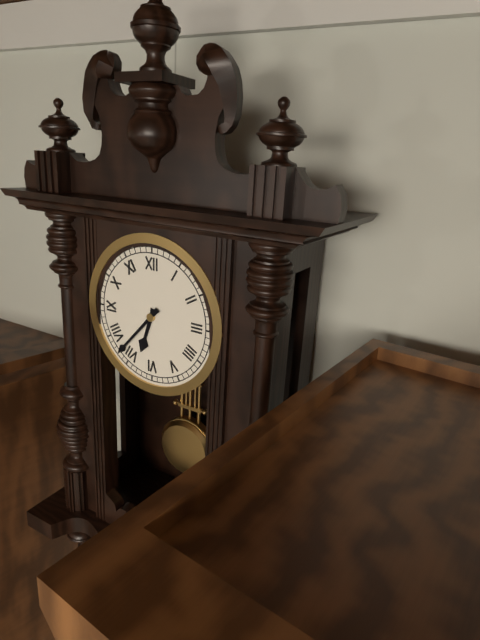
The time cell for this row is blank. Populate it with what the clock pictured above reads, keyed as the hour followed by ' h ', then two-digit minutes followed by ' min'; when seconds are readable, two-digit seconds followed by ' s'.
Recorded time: 6 h 37 min
